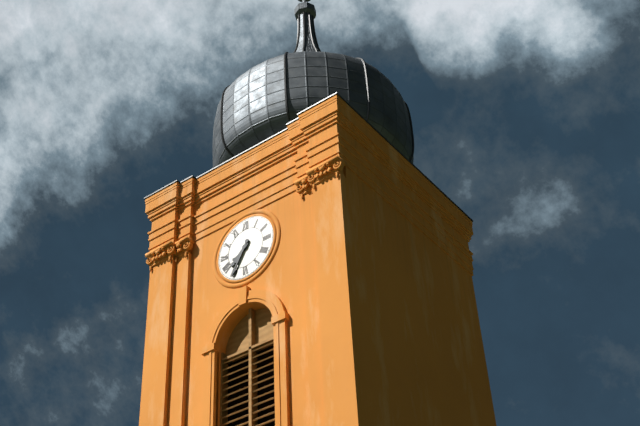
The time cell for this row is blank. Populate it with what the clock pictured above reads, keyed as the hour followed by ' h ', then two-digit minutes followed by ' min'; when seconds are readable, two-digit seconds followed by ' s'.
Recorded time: 7 h 35 min
